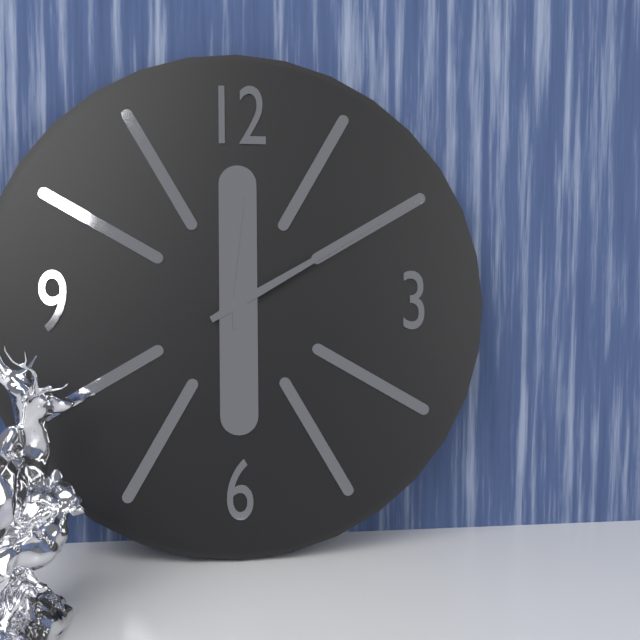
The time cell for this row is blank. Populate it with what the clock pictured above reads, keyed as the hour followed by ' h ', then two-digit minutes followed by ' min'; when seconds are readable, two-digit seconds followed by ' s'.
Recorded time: 12 h 10 min
